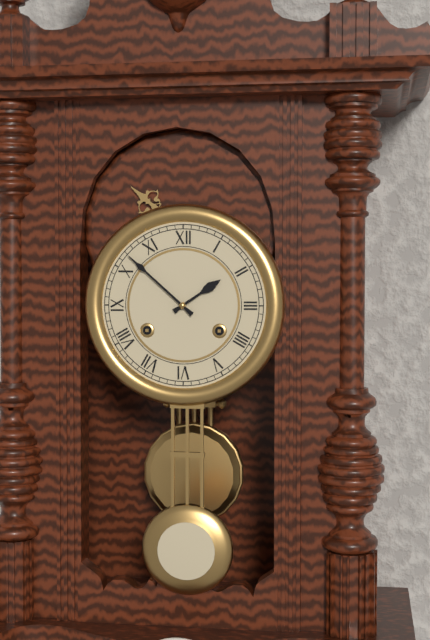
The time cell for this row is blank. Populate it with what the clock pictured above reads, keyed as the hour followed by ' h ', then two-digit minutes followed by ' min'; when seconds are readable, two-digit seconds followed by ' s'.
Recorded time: 1 h 52 min
